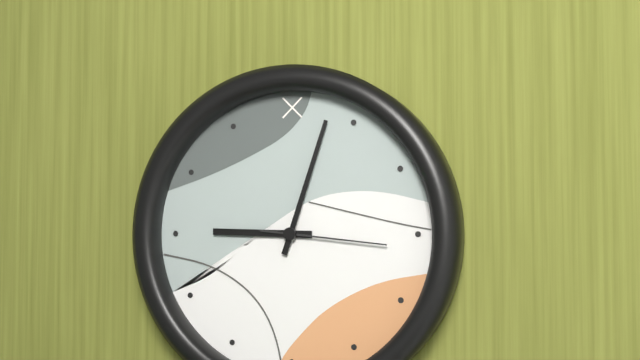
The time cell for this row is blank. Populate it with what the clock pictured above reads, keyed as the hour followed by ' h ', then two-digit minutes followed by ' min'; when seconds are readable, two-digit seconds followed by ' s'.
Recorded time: 9 h 03 min 16 s
